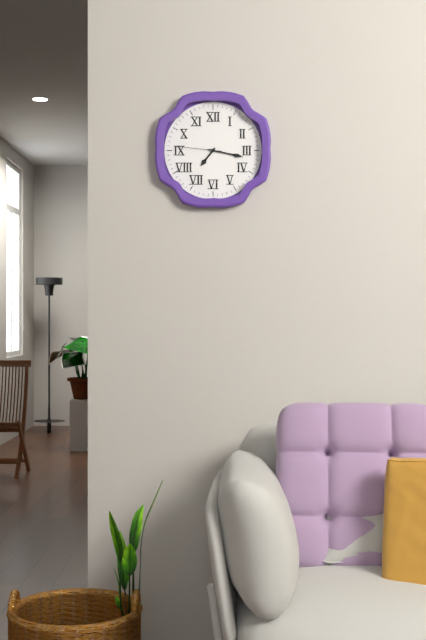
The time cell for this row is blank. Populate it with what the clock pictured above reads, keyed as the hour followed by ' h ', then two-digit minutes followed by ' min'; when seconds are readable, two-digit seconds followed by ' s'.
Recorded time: 7 h 17 min
